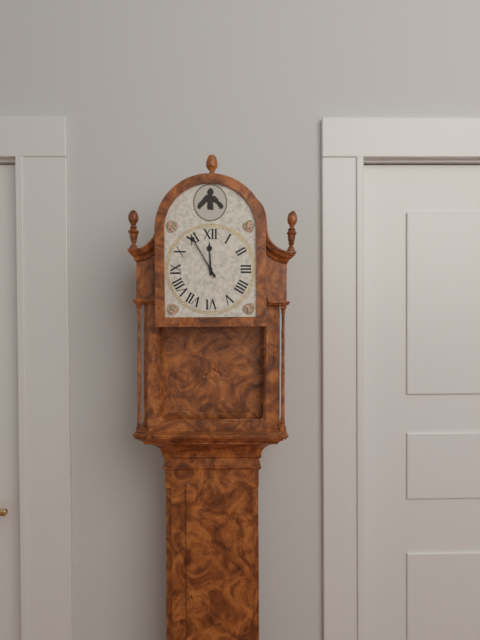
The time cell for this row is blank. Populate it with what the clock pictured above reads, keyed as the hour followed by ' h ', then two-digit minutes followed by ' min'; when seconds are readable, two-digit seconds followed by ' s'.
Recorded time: 11 h 55 min
